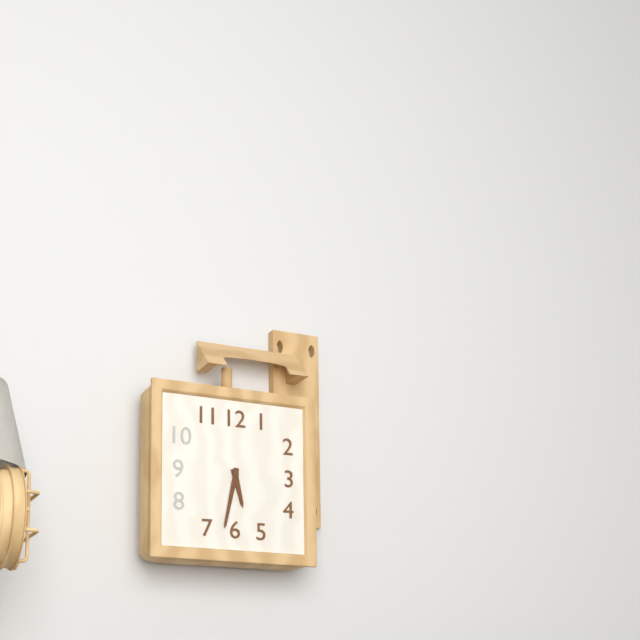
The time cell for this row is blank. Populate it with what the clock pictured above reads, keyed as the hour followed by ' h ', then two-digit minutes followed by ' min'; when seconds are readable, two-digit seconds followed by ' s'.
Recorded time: 5 h 32 min
